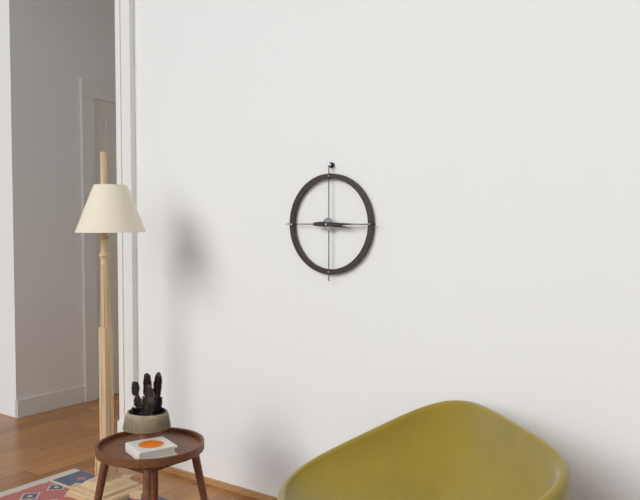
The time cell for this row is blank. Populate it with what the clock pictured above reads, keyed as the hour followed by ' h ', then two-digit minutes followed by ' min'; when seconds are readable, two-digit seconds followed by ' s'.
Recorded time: 3 h 15 min
